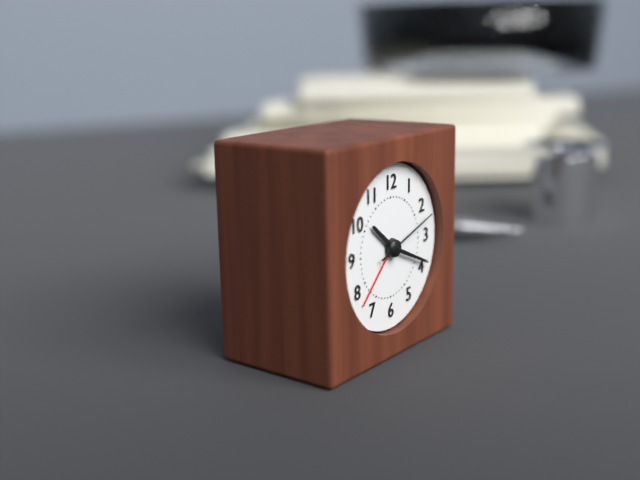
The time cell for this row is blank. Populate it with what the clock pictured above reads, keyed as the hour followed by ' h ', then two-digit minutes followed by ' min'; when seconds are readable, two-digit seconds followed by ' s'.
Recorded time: 10 h 19 min 12 s
